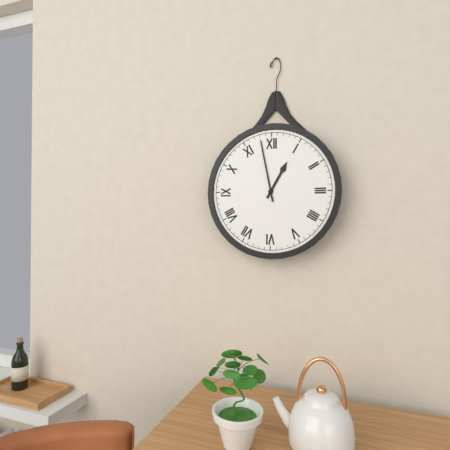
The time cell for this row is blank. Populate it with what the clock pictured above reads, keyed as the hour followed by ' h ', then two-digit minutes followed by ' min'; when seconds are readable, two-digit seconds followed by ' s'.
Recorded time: 12 h 58 min
